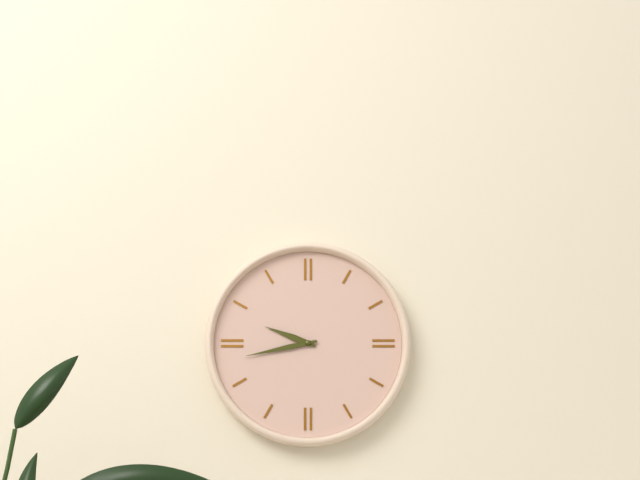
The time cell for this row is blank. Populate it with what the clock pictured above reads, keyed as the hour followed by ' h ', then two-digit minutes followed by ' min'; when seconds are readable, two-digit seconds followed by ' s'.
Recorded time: 9 h 43 min
